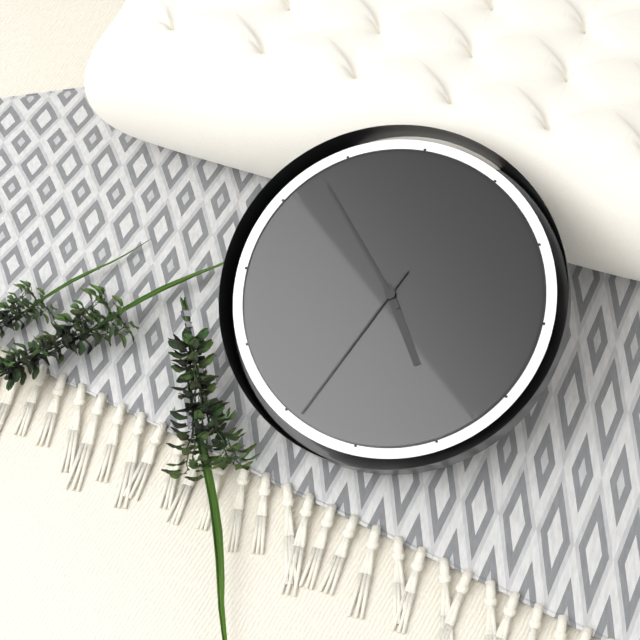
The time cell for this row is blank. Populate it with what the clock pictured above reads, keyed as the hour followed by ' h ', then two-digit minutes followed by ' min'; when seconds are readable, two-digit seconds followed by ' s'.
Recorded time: 4 h 53 min 34 s
